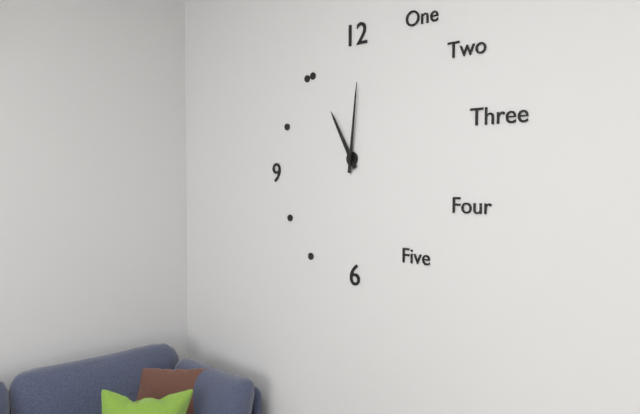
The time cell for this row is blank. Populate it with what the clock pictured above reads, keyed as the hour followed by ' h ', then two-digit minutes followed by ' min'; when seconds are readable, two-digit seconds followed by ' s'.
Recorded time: 11 h 01 min
